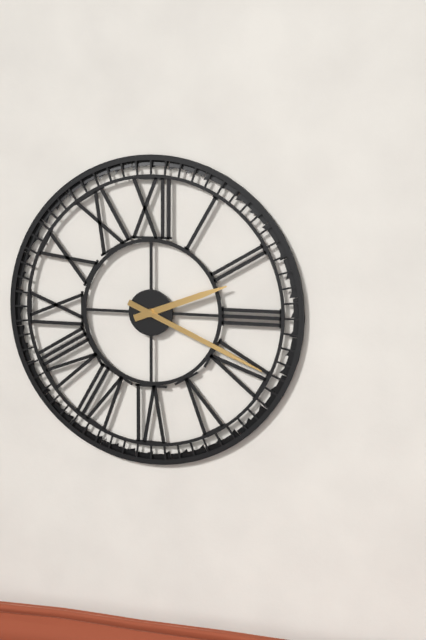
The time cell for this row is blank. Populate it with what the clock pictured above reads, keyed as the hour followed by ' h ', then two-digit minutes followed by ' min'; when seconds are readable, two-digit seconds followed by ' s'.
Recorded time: 2 h 19 min
